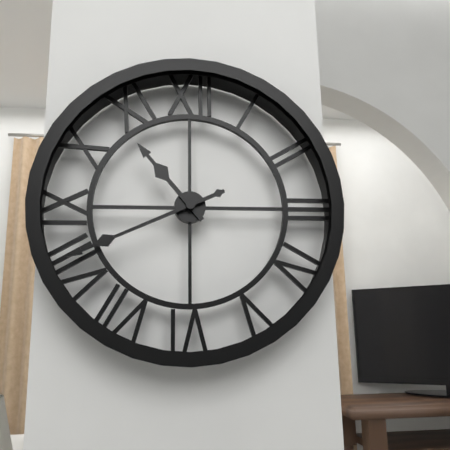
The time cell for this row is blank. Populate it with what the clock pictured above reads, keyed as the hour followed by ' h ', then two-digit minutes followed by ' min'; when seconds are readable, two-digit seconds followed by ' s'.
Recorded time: 10 h 41 min
